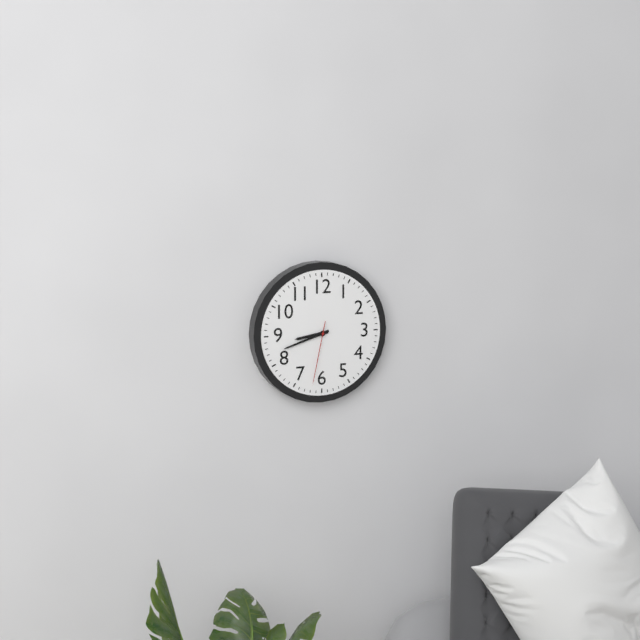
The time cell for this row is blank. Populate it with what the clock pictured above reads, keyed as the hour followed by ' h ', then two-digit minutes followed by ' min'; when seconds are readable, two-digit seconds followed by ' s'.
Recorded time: 8 h 42 min 32 s
